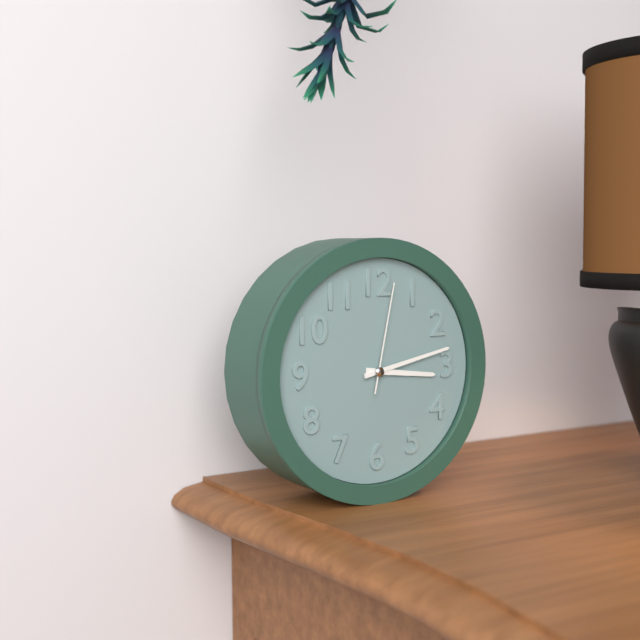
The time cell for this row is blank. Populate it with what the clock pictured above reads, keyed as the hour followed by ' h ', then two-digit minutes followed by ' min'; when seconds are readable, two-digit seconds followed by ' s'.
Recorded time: 3 h 13 min 02 s
